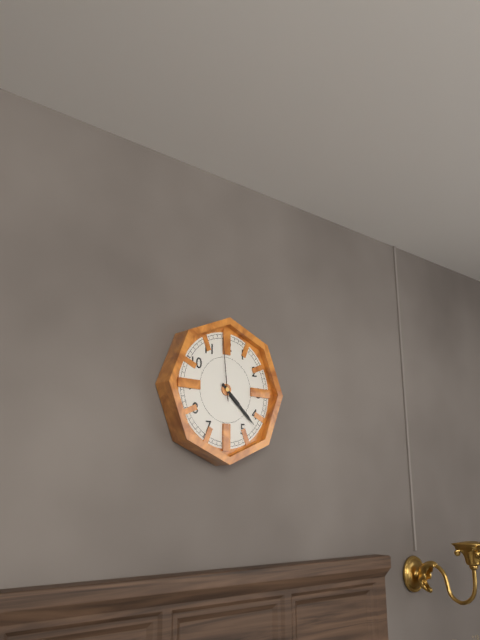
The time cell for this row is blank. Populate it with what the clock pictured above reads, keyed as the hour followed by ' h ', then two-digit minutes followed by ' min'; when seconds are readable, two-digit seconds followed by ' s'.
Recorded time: 4 h 22 min 59 s
